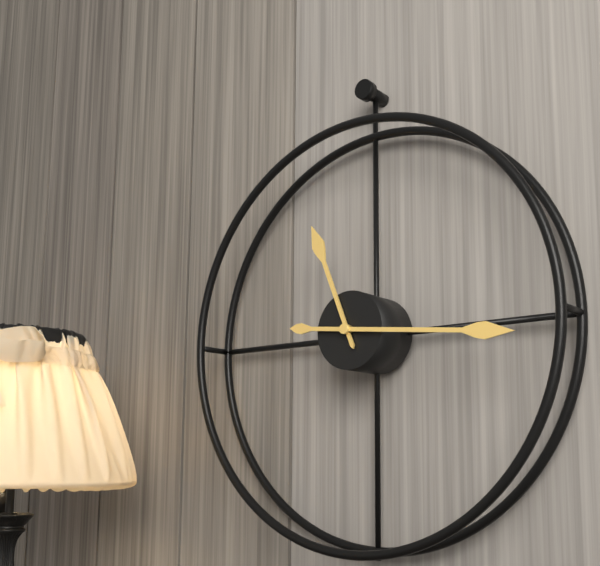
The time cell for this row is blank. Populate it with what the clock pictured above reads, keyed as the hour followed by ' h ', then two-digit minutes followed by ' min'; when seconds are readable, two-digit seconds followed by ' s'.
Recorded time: 11 h 16 min
